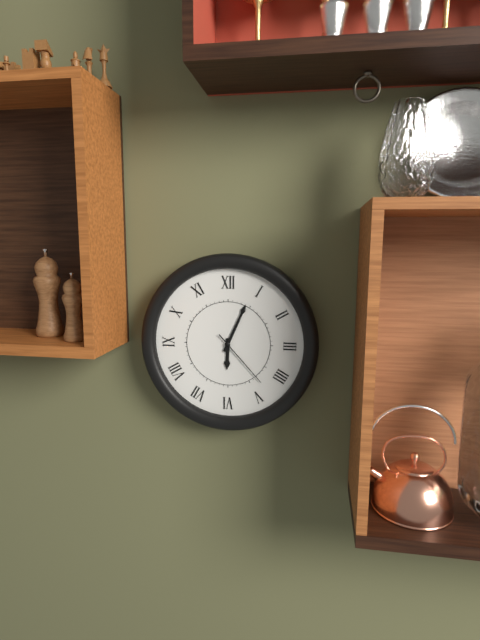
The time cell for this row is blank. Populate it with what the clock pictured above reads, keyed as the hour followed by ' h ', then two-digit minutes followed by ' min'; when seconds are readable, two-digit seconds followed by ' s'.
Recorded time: 6 h 04 min 23 s
